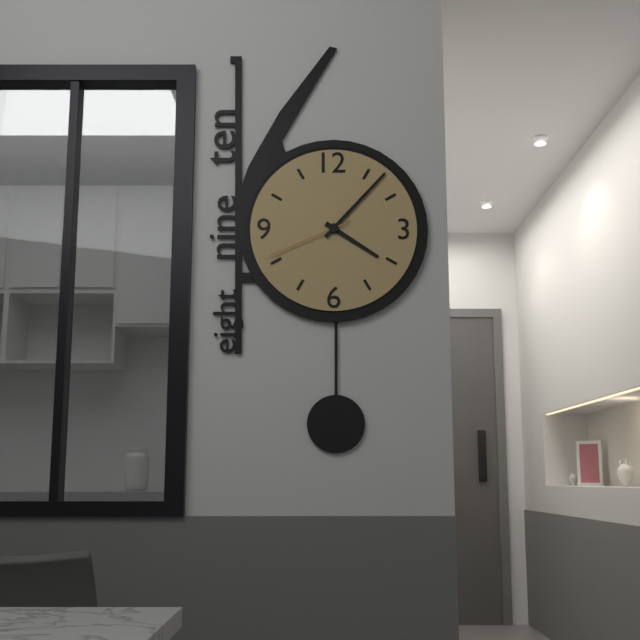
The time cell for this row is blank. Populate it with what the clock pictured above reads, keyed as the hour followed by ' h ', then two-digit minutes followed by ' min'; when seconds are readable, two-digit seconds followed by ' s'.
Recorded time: 4 h 07 min 41 s
